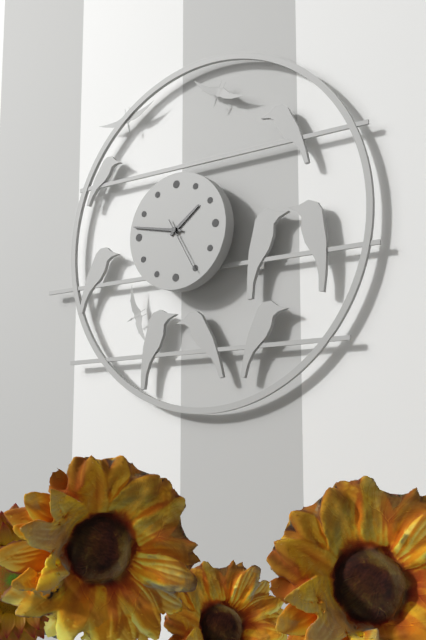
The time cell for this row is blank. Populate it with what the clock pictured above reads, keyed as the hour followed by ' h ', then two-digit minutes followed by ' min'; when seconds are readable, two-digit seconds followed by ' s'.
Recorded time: 1 h 47 min
